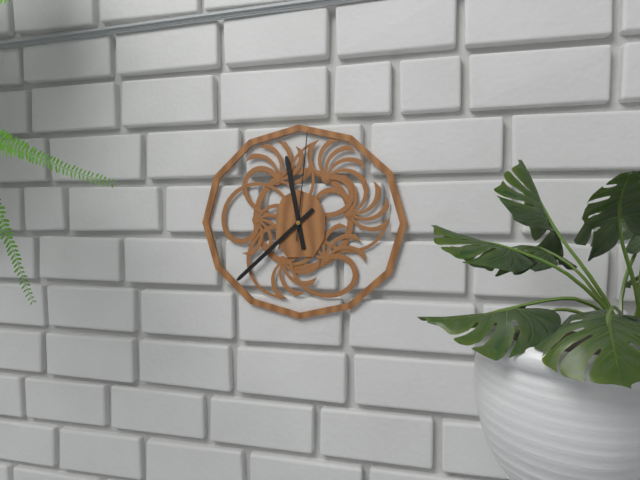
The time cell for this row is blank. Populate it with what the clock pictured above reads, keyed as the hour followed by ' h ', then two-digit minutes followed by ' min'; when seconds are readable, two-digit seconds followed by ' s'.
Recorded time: 11 h 38 min 01 s
